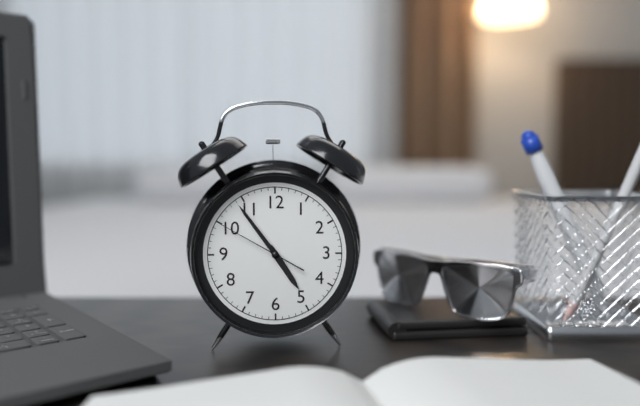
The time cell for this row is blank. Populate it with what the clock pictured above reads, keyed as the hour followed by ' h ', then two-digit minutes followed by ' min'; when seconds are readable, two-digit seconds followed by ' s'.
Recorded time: 4 h 54 min 50 s
